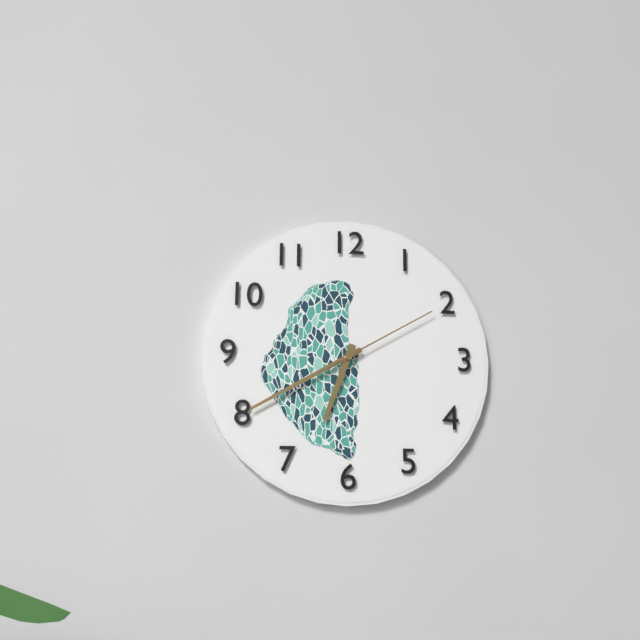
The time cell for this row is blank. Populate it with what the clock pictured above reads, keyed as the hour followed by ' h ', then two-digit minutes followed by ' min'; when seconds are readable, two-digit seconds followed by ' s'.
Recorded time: 6 h 40 min 10 s
